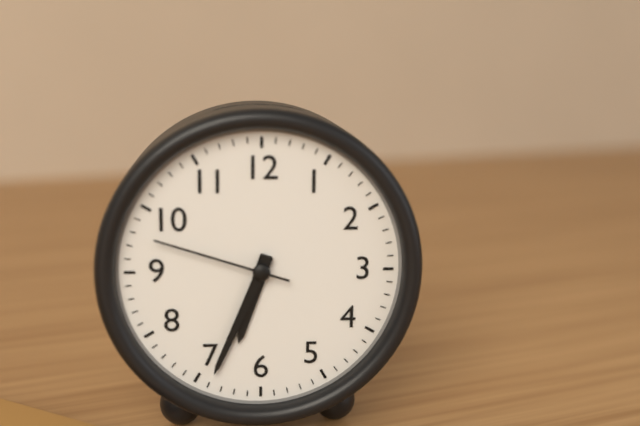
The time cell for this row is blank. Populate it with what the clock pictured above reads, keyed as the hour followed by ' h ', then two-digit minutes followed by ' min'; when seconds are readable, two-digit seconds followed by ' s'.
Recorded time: 6 h 34 min 48 s
